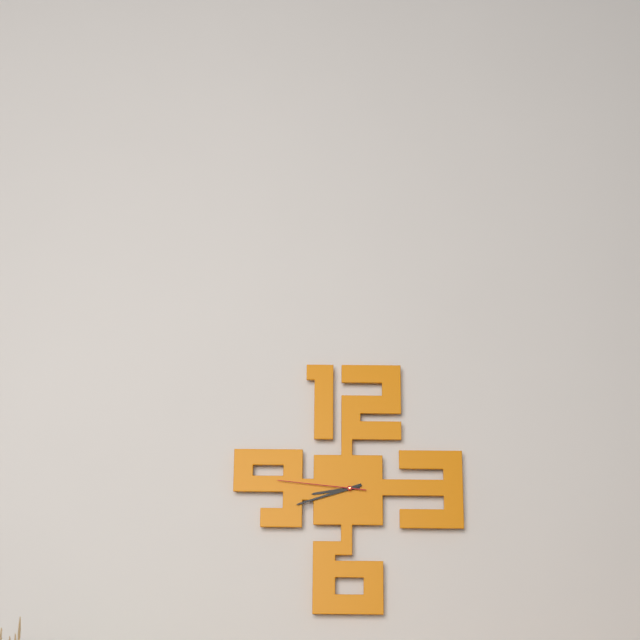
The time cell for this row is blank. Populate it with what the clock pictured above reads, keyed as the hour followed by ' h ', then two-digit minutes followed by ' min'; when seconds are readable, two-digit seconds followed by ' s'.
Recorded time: 8 h 42 min 46 s
